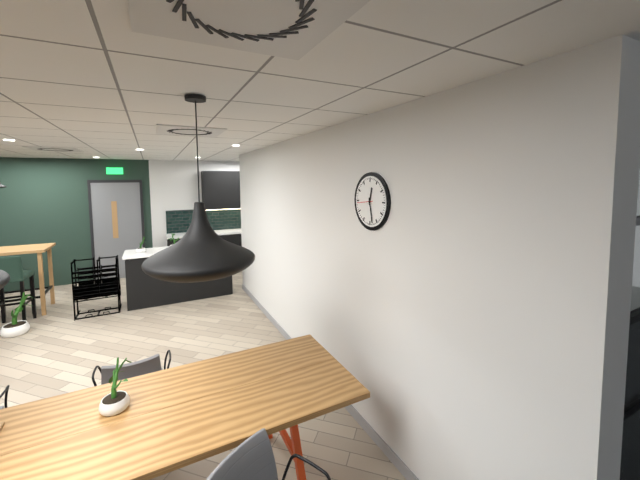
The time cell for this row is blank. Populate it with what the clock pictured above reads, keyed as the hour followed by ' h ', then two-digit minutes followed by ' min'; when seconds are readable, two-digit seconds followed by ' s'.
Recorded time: 12 h 28 min
